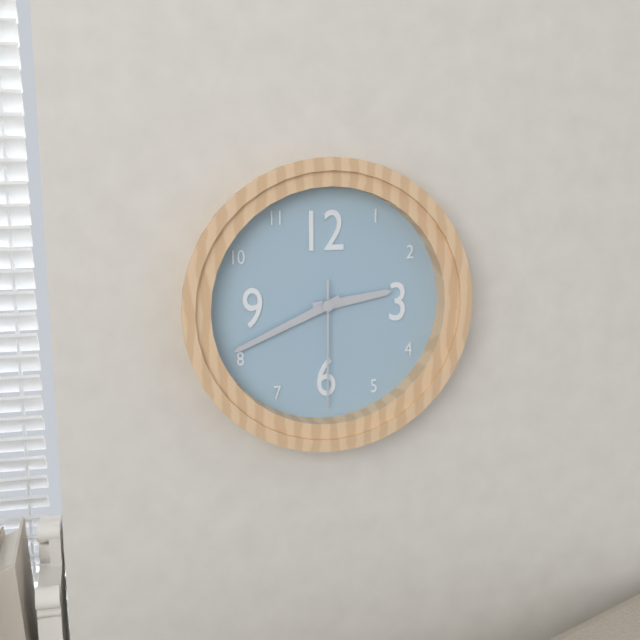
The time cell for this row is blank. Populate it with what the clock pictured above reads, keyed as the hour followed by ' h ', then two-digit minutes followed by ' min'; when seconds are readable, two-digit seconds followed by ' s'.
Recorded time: 2 h 41 min 30 s
